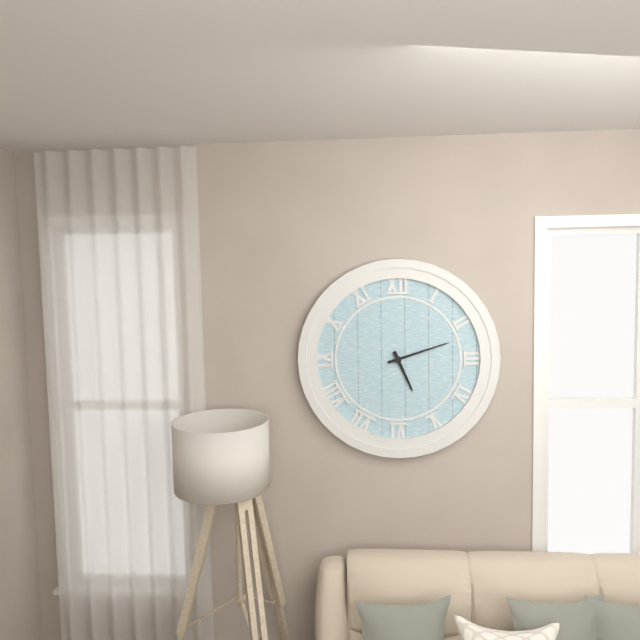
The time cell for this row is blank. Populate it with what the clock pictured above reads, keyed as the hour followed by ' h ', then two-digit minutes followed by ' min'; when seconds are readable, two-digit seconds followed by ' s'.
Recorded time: 5 h 12 min
